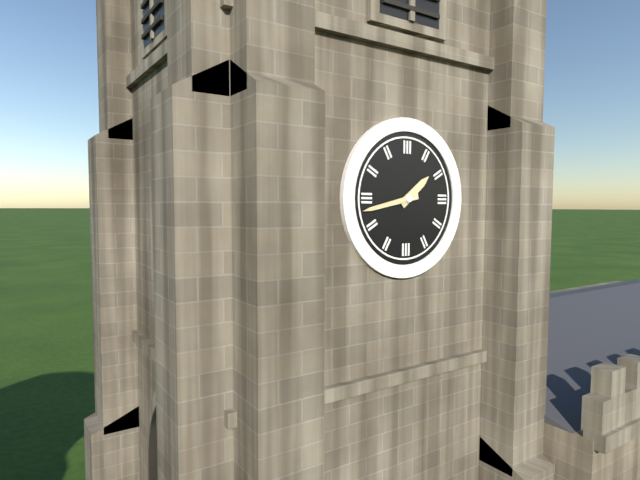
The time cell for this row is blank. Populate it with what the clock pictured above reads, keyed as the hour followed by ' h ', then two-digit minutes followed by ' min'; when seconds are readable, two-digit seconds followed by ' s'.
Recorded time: 1 h 43 min
